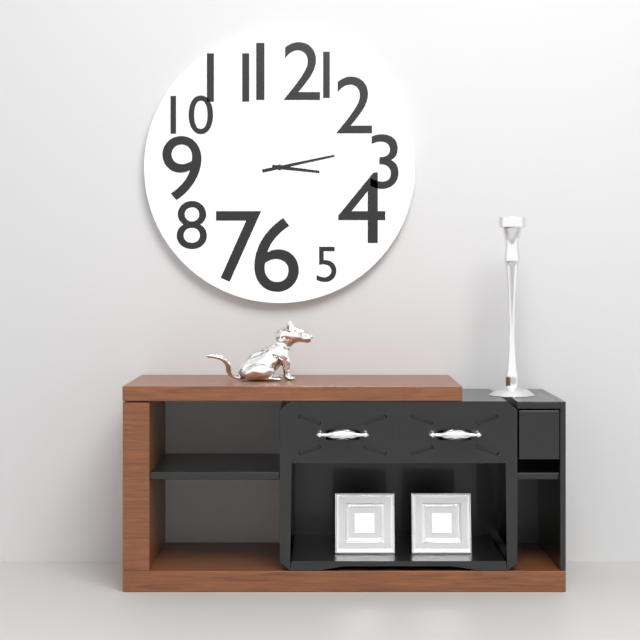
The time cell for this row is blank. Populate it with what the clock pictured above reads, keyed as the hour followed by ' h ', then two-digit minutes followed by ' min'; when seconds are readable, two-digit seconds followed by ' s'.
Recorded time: 3 h 13 min
